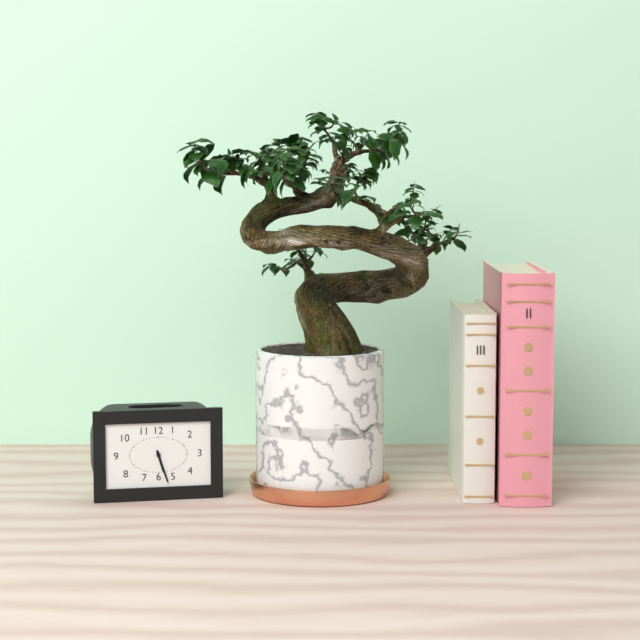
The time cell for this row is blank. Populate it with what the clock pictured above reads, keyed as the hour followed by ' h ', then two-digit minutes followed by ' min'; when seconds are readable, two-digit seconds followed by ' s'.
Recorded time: 5 h 27 min
